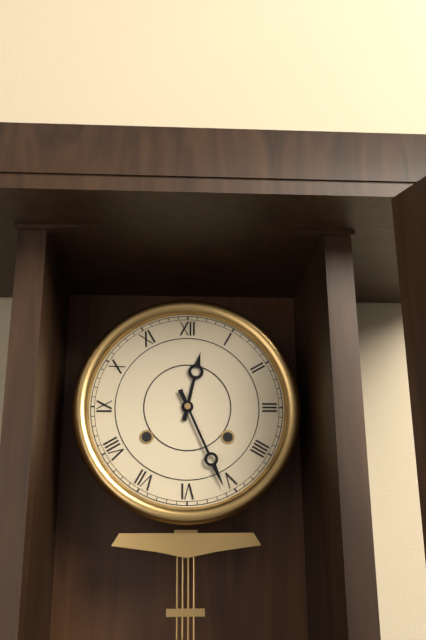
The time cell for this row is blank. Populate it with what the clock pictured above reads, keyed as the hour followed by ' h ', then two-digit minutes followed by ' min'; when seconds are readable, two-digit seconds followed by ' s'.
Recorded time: 12 h 26 min
